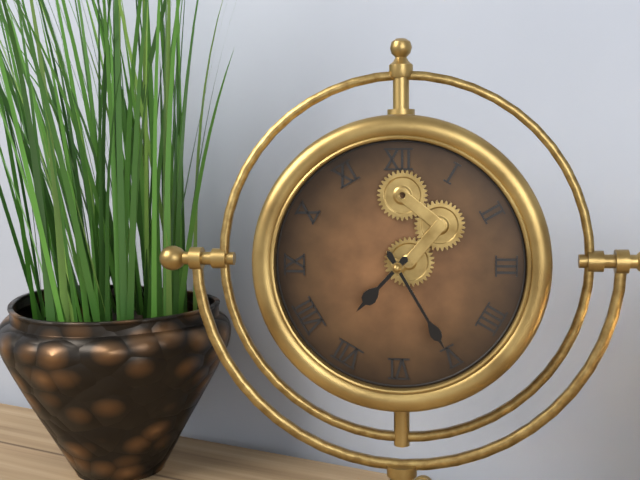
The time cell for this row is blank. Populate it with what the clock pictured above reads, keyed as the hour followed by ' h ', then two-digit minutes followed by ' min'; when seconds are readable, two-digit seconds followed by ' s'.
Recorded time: 7 h 25 min
